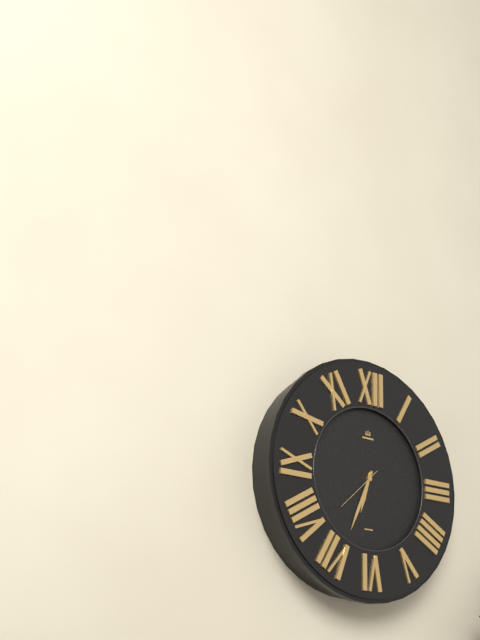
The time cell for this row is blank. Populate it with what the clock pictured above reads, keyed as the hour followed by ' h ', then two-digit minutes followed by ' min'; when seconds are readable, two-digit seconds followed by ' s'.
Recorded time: 6 h 34 min
